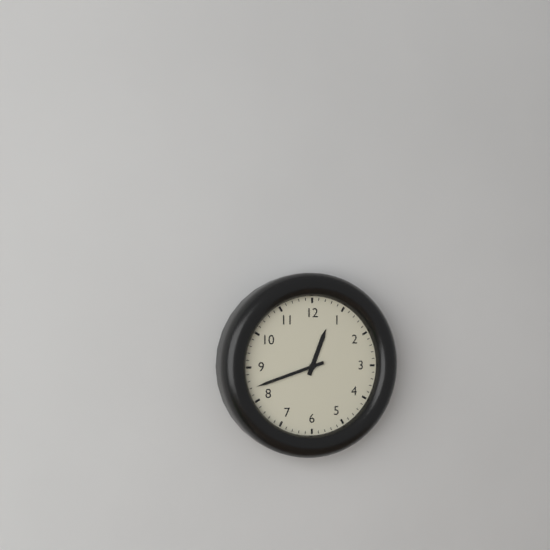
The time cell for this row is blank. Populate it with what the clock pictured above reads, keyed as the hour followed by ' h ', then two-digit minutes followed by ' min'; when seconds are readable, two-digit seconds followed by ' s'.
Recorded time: 12 h 42 min
